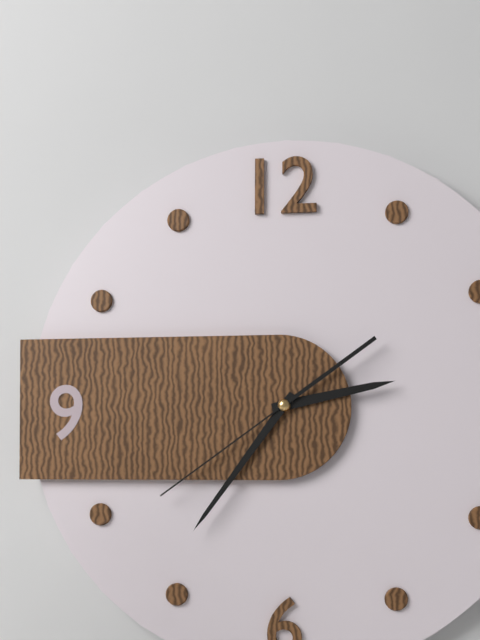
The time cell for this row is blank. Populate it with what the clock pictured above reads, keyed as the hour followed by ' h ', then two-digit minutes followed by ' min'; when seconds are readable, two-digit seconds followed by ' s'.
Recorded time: 2 h 36 min 39 s
